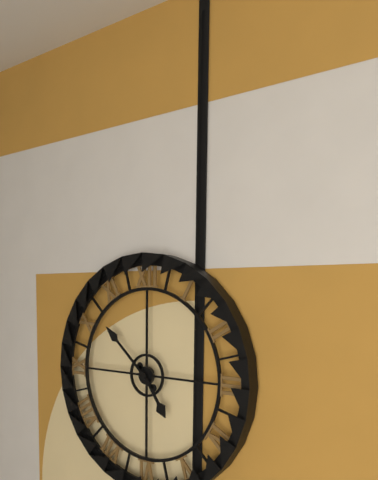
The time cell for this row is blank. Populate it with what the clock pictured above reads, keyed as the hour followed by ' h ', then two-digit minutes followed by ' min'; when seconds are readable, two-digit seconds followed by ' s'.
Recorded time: 4 h 52 min
